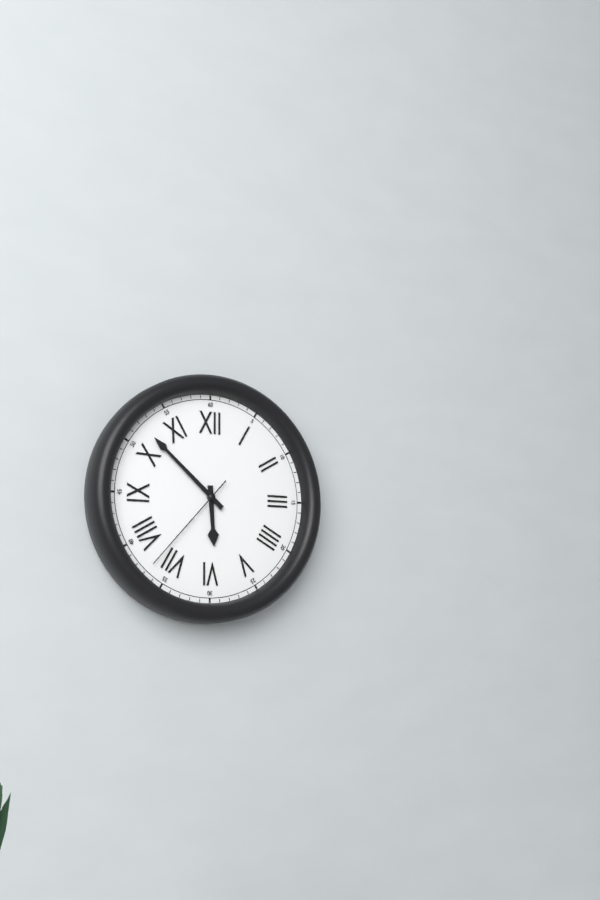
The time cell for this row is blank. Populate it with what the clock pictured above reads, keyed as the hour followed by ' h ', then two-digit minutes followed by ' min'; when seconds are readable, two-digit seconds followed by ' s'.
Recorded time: 5 h 52 min 37 s
